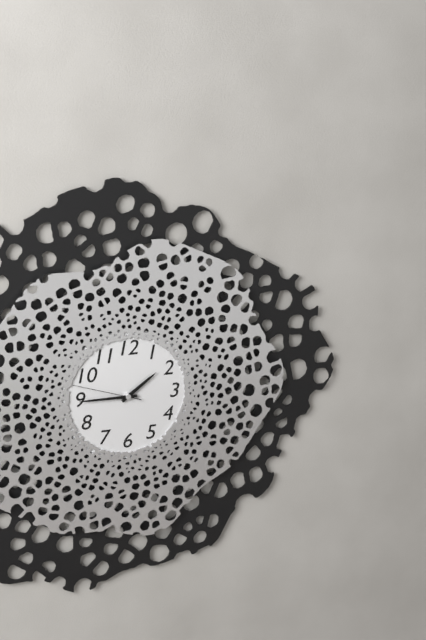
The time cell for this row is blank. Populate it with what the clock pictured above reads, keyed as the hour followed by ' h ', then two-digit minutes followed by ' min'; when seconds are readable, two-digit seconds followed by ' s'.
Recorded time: 1 h 45 min 48 s
